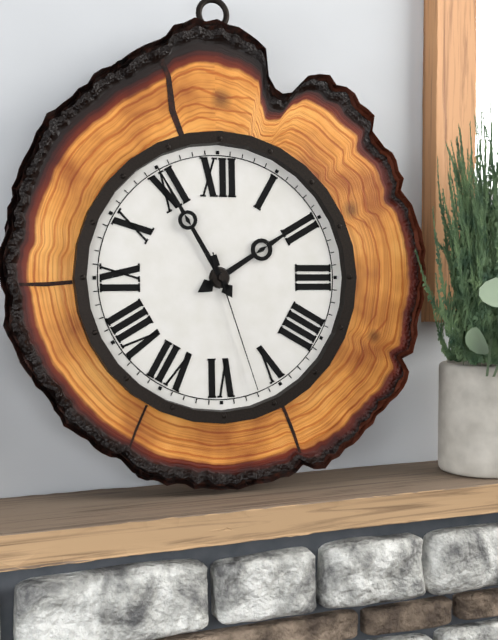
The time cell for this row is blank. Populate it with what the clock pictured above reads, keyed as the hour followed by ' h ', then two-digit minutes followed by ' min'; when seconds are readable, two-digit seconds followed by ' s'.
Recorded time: 1 h 55 min 27 s
